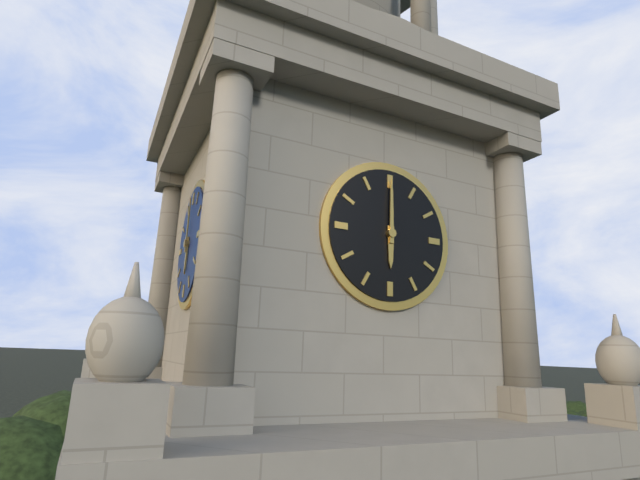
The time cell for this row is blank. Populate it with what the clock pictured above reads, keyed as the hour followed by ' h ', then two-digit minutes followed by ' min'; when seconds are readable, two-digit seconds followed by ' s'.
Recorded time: 6 h 00 min
